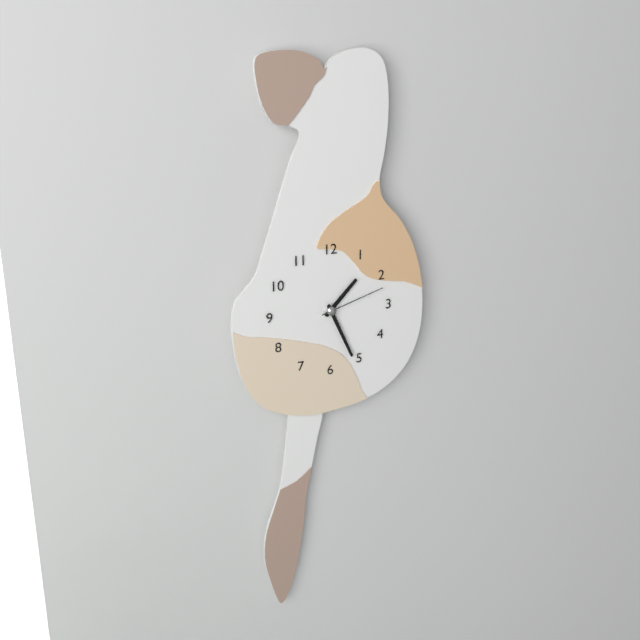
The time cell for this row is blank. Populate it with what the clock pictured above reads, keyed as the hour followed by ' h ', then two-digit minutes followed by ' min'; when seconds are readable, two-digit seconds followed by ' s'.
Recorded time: 1 h 26 min 12 s
